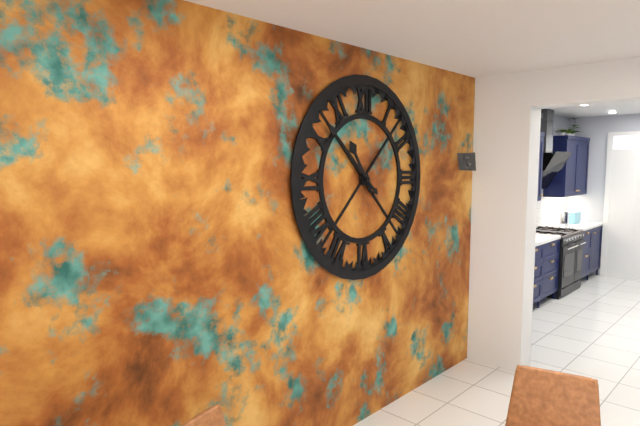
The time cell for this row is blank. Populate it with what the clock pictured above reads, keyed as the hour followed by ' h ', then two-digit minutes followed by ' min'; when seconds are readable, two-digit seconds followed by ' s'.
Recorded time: 10 h 52 min
